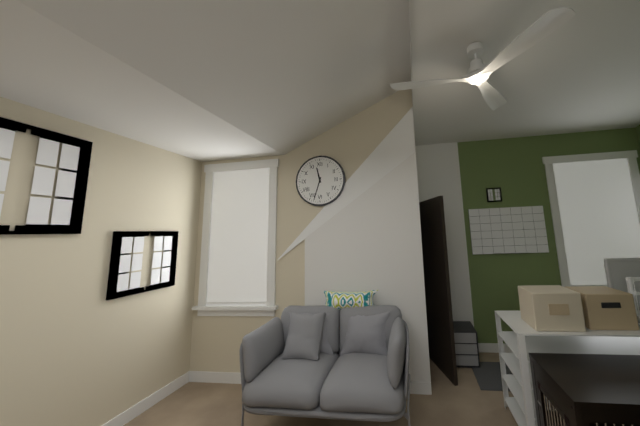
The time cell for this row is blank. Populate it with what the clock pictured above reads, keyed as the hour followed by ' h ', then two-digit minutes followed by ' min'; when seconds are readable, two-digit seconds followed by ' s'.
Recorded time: 11 h 33 min
